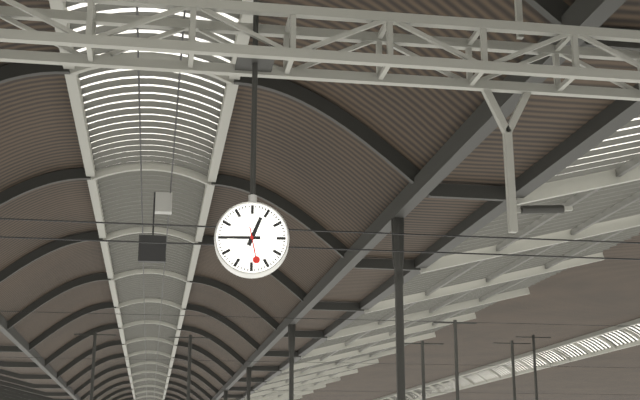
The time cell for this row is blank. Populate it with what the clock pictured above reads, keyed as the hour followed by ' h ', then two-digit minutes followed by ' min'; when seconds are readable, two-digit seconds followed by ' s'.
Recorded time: 12 h 45 min
